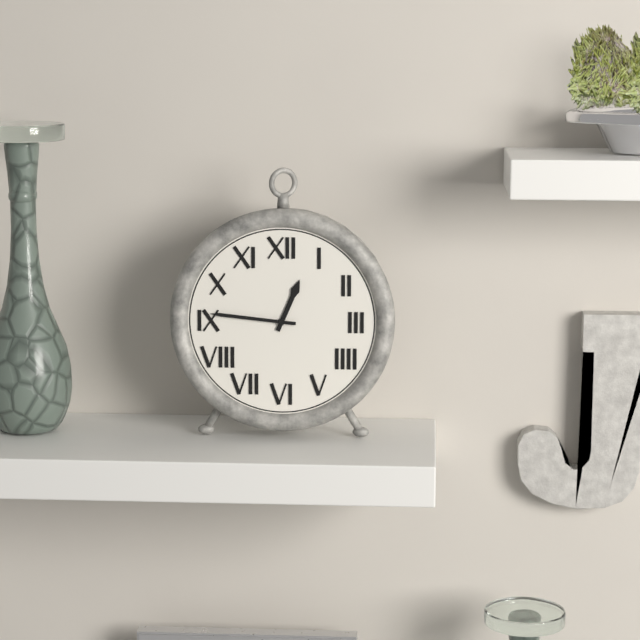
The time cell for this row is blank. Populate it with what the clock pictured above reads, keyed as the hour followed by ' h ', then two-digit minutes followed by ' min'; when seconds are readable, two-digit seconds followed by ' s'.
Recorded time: 12 h 46 min
